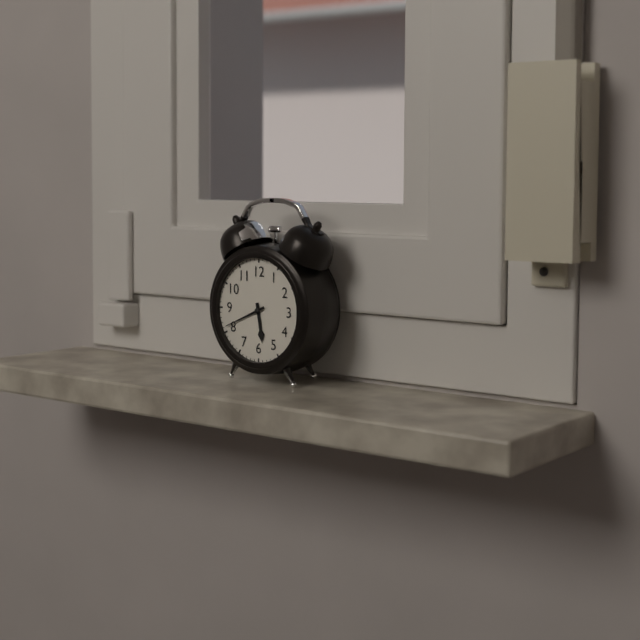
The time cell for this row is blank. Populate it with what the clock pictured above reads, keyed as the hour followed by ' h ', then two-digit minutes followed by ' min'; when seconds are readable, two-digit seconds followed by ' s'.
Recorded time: 5 h 41 min
